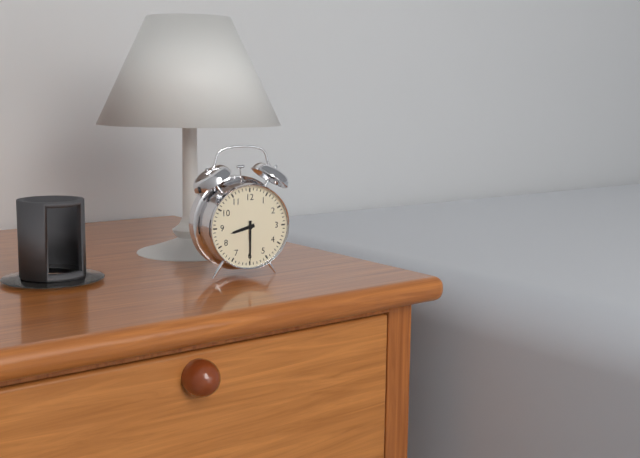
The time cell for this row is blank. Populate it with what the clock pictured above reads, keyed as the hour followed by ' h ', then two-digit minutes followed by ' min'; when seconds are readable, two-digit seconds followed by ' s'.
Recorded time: 8 h 30 min
